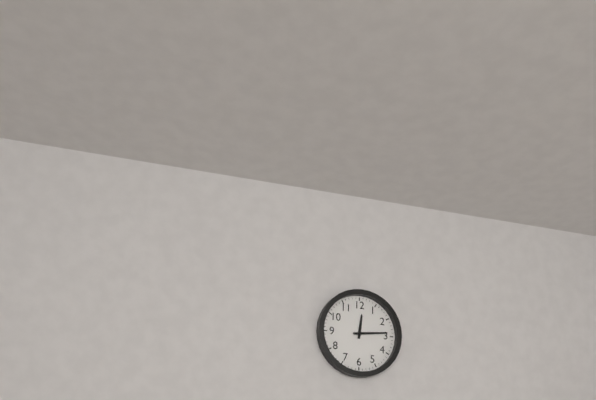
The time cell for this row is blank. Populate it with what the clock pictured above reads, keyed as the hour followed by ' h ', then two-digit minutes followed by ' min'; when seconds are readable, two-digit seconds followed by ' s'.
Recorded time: 12 h 14 min
